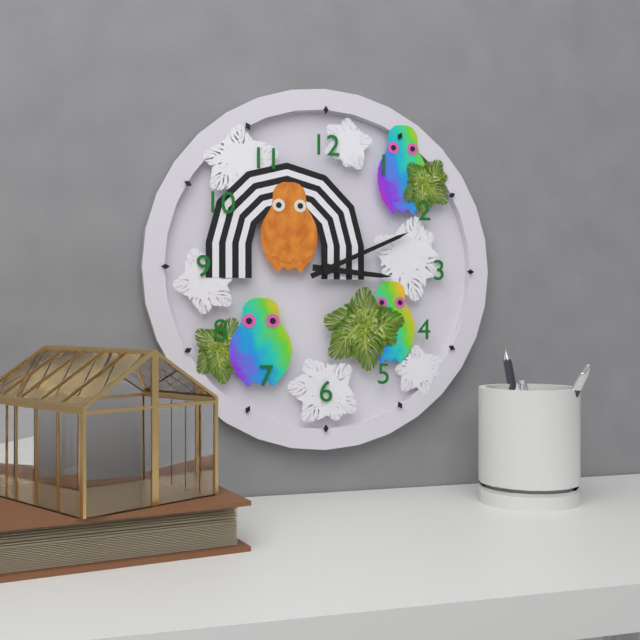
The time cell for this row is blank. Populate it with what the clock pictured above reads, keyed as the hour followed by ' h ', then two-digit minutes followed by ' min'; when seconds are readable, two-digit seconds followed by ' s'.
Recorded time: 3 h 11 min
